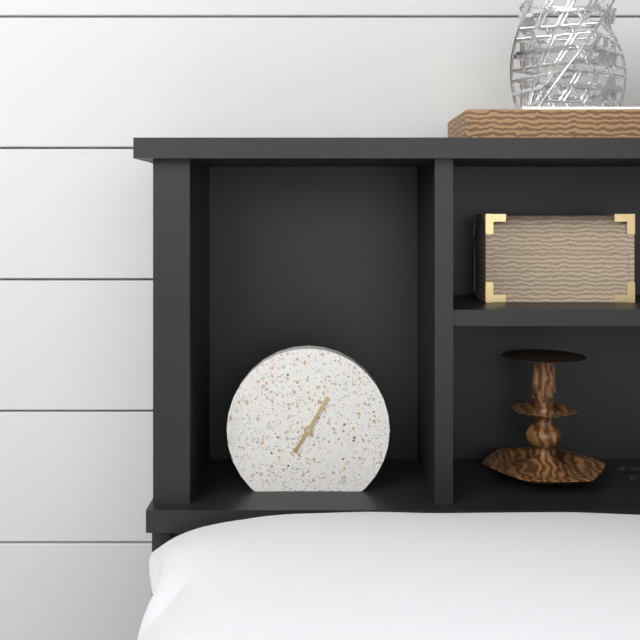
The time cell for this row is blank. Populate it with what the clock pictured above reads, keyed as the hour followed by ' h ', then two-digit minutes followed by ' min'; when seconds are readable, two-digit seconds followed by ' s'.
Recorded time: 7 h 05 min
